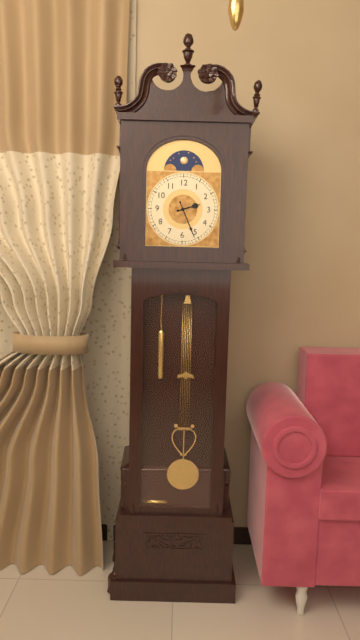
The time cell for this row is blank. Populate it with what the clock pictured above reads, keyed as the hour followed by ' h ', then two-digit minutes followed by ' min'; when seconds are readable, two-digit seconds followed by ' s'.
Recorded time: 2 h 26 min
